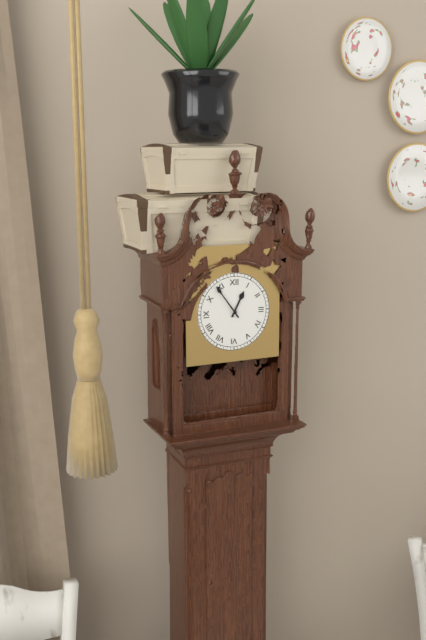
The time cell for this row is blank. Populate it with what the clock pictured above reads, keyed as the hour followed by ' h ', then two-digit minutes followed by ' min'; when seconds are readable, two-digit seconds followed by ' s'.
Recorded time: 12 h 54 min
